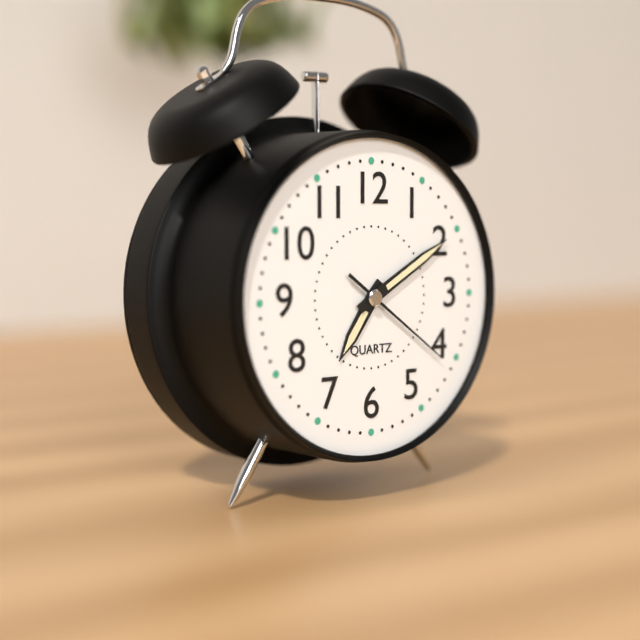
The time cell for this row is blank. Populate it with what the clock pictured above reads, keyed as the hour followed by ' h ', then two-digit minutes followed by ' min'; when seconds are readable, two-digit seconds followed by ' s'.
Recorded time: 7 h 10 min 21 s
